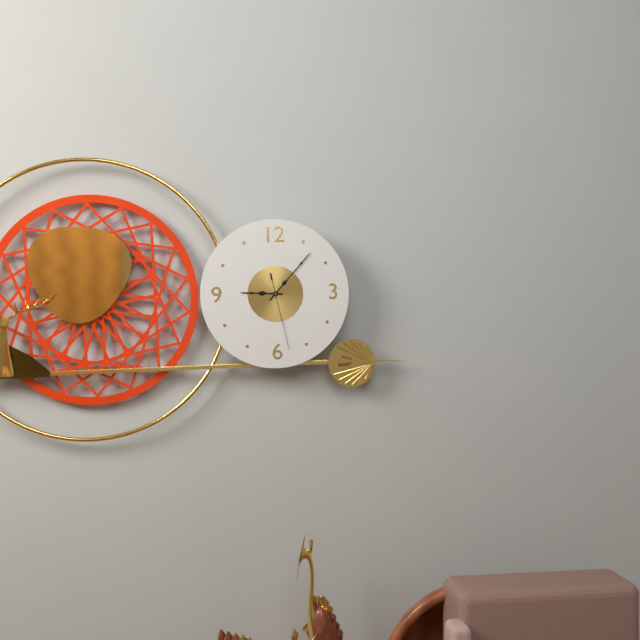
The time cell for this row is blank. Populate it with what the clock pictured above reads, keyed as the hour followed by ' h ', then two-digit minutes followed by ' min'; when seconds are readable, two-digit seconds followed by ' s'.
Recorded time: 9 h 07 min 28 s
